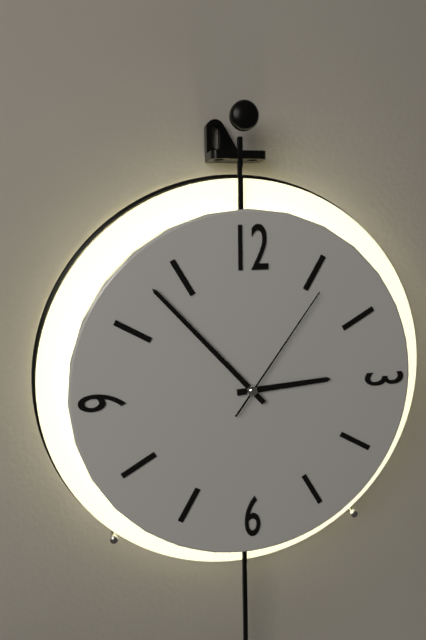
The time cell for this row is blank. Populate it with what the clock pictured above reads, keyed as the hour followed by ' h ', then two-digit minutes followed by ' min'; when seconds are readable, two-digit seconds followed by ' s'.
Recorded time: 2 h 53 min 06 s
